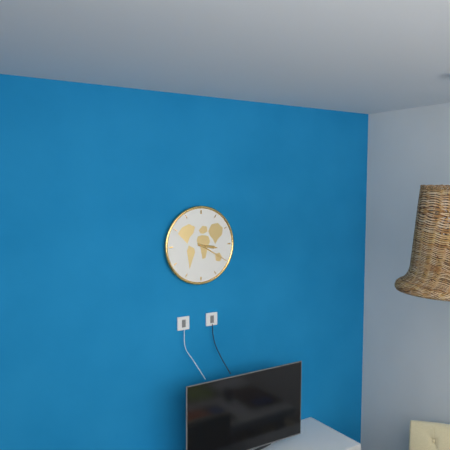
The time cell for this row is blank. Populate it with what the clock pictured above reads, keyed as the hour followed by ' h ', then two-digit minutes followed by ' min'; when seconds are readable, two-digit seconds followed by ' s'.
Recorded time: 3 h 20 min
